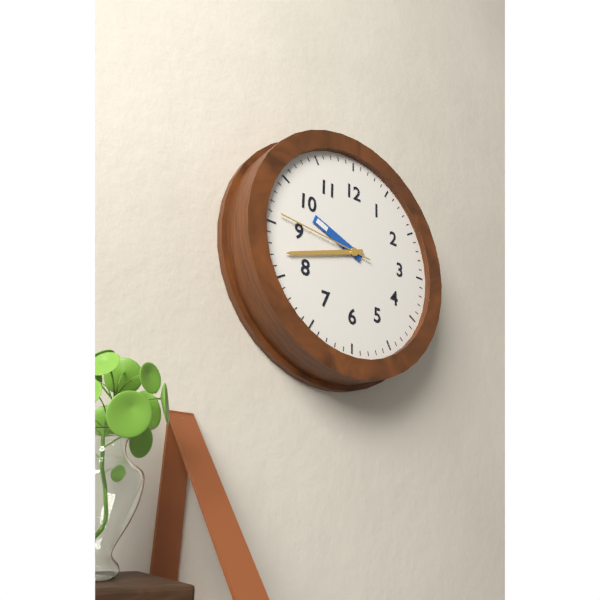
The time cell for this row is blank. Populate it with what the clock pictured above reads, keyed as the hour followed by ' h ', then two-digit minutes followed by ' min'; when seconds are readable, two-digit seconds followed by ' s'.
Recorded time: 9 h 42 min 46 s
